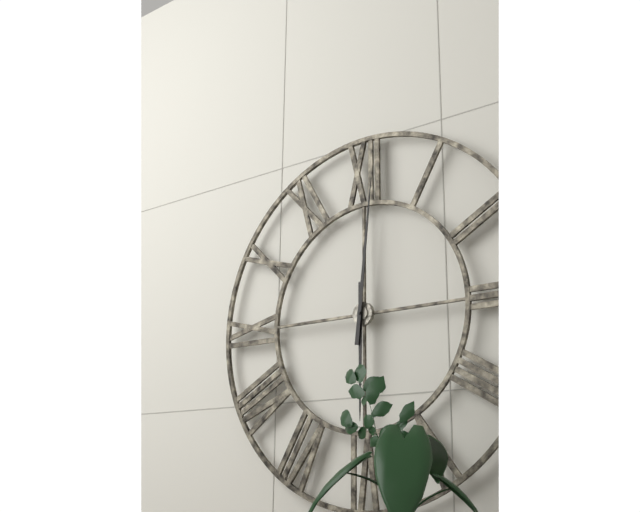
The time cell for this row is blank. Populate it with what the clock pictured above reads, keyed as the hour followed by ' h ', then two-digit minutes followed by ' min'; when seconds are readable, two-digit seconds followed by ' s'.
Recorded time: 6 h 01 min
